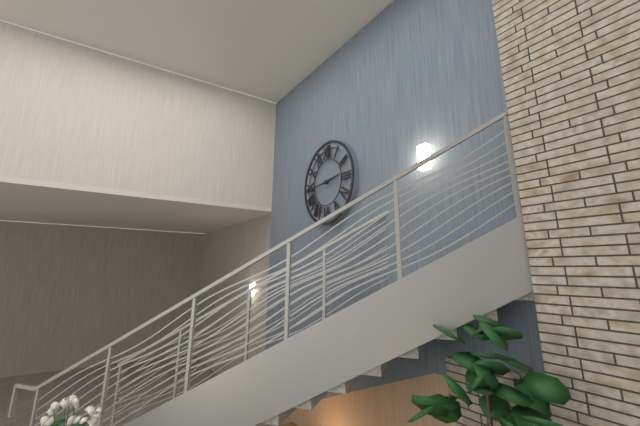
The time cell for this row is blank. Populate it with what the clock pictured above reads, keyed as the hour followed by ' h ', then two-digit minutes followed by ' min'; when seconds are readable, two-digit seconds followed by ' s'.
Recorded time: 2 h 44 min
